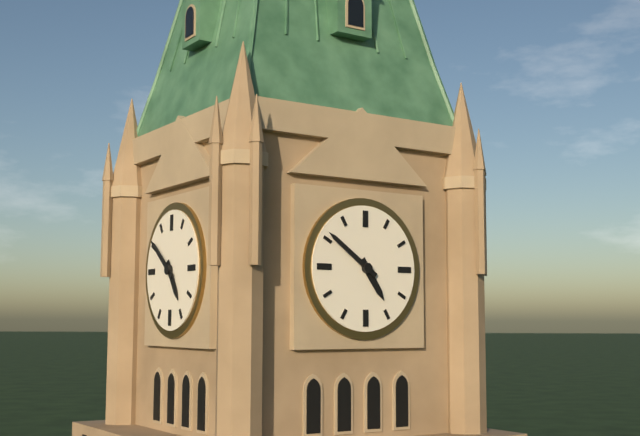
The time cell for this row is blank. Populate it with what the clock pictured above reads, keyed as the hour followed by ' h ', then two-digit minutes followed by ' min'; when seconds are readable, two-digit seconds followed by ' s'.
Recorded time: 4 h 51 min
